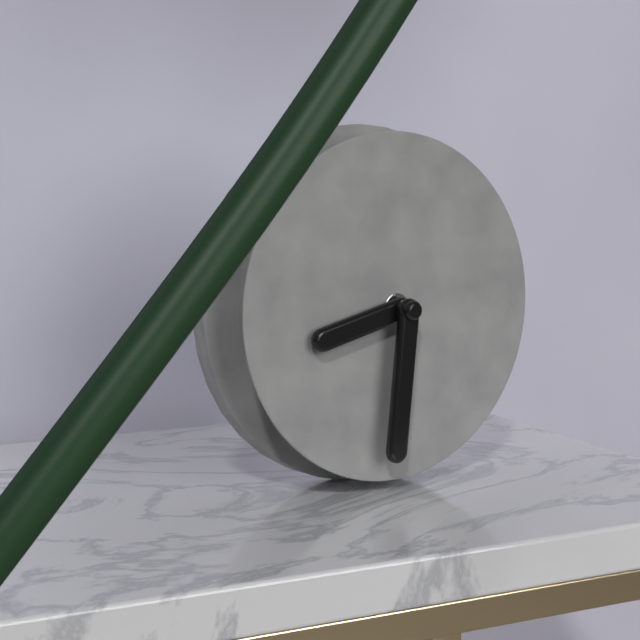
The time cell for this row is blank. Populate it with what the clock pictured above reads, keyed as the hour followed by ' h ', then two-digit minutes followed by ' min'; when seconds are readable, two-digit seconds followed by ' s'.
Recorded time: 8 h 31 min
